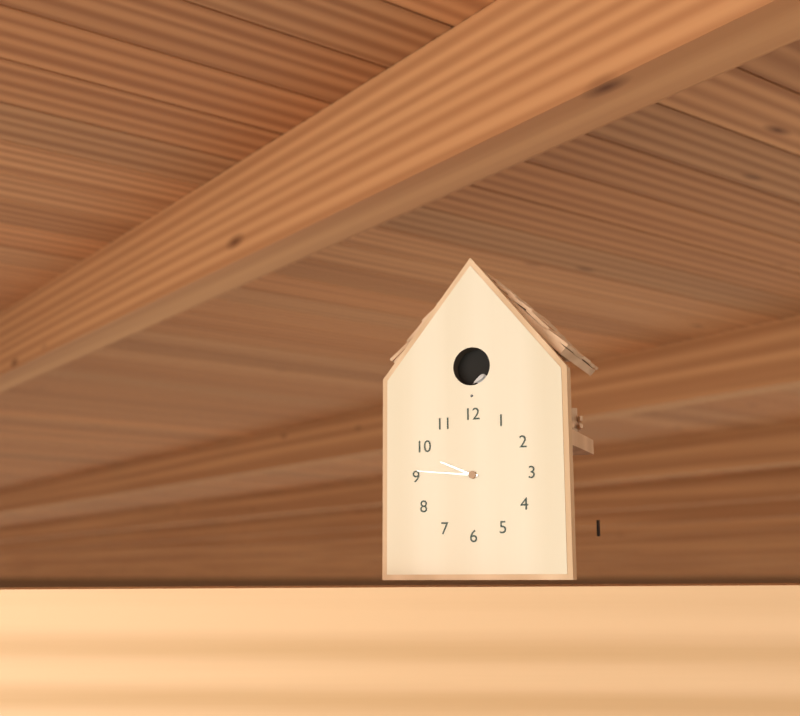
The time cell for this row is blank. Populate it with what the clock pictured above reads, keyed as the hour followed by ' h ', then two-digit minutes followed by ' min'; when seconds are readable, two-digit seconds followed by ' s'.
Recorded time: 9 h 46 min
